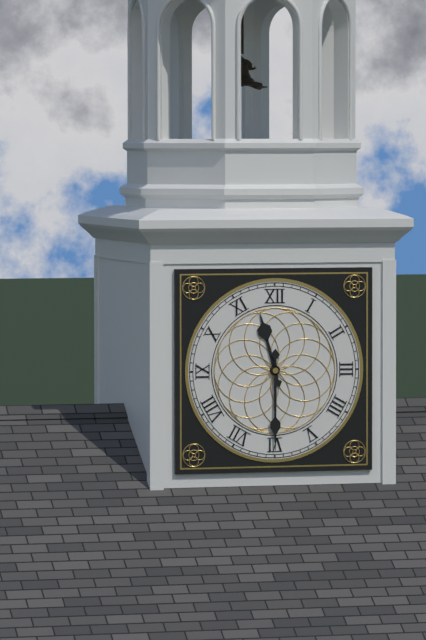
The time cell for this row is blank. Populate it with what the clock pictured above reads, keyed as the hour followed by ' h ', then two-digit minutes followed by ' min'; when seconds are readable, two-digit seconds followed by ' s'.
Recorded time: 11 h 30 min
